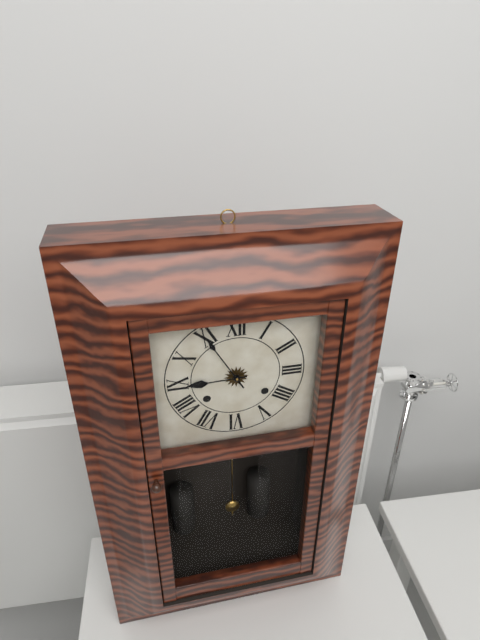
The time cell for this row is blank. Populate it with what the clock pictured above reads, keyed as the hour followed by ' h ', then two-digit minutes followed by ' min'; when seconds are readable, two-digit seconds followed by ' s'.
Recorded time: 8 h 55 min
